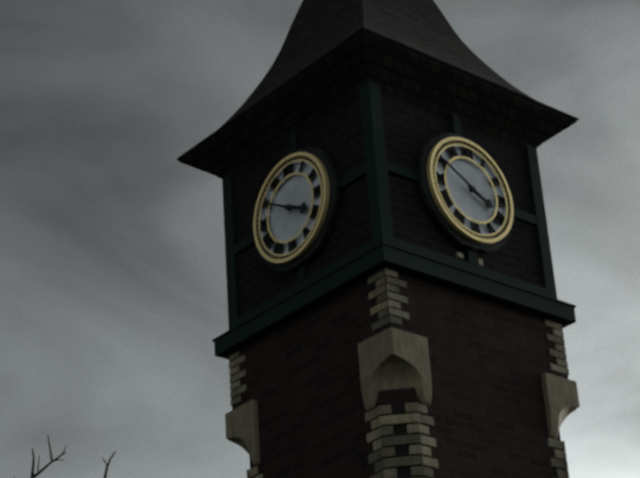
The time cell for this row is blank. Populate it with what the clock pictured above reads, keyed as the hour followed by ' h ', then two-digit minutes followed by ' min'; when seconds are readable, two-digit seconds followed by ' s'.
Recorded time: 3 h 50 min
